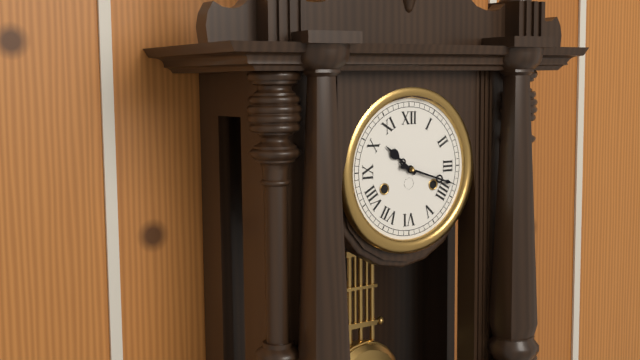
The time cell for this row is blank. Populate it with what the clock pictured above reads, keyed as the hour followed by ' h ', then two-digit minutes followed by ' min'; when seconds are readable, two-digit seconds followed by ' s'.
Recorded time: 10 h 18 min
